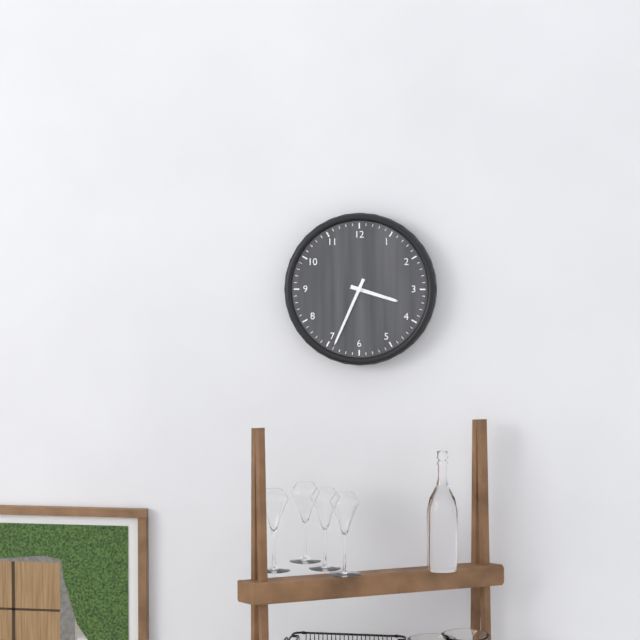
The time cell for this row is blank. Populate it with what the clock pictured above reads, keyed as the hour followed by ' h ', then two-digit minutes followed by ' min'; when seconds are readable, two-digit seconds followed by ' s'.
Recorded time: 3 h 34 min
